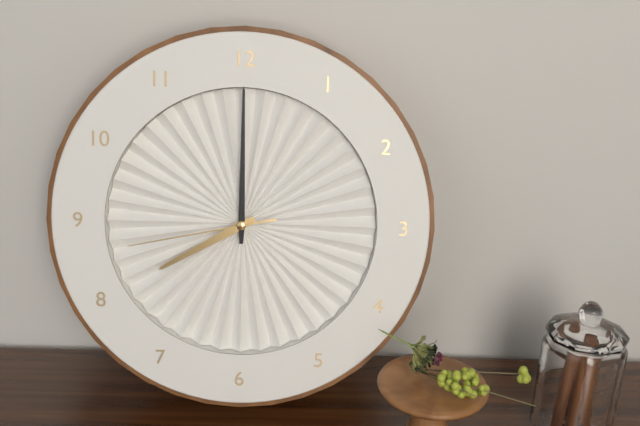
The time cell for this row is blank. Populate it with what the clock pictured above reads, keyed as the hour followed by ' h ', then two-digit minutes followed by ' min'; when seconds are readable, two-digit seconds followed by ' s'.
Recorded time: 8 h 00 min 43 s
